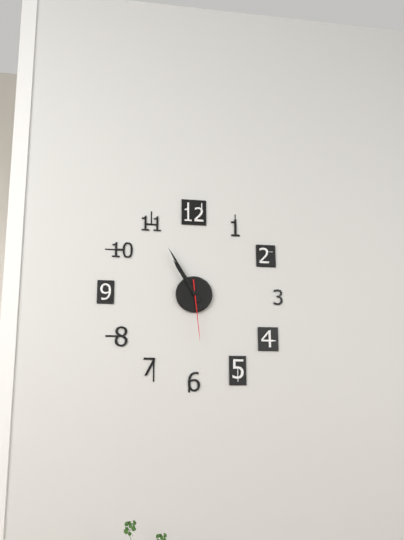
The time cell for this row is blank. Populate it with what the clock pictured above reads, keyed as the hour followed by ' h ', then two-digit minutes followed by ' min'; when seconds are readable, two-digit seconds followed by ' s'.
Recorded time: 10 h 55 min 29 s
